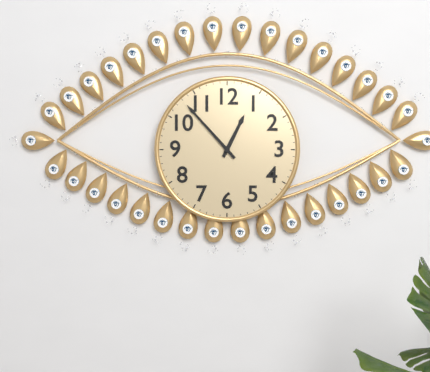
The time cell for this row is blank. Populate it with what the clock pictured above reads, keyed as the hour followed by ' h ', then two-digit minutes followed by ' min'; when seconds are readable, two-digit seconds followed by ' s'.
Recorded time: 12 h 53 min
